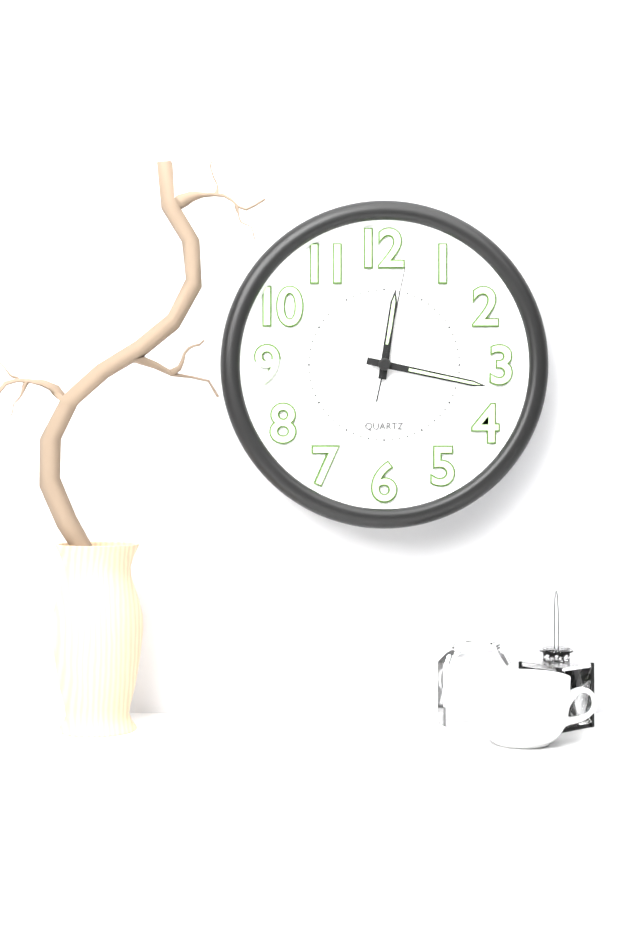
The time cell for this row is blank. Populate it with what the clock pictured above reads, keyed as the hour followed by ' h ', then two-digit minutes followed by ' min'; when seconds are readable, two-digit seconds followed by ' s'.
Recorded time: 12 h 17 min 02 s
